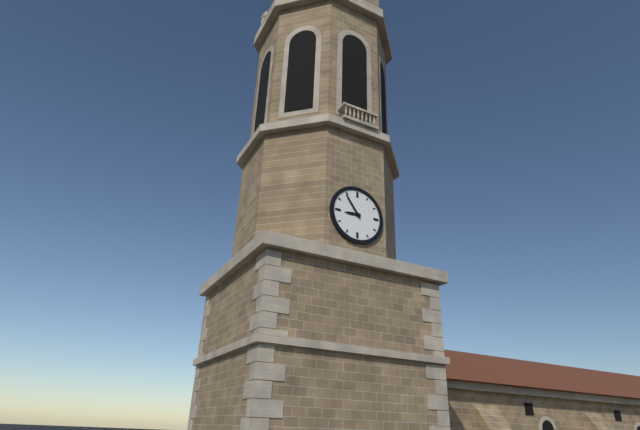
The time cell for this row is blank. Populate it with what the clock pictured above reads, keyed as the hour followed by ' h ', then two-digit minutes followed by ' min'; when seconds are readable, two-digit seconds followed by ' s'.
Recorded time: 8 h 54 min
